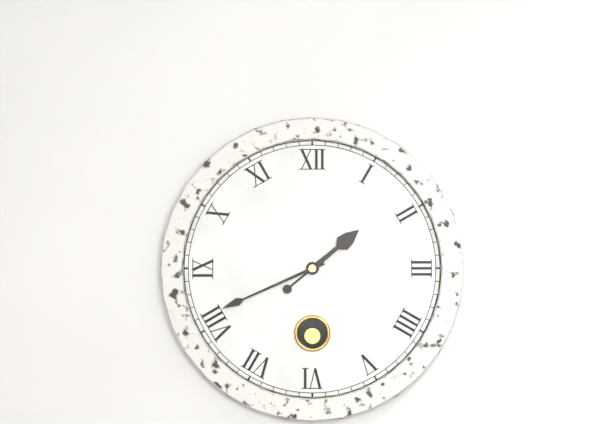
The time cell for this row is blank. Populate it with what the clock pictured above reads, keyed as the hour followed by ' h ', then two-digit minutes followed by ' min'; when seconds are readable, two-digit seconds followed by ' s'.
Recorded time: 1 h 41 min
